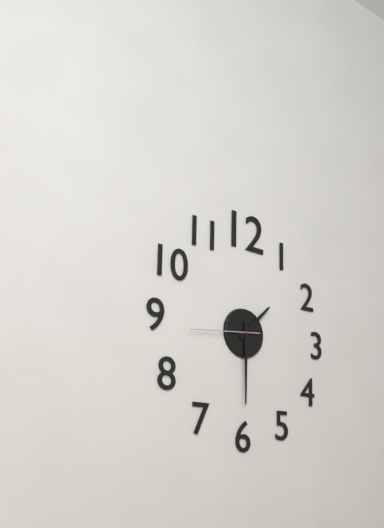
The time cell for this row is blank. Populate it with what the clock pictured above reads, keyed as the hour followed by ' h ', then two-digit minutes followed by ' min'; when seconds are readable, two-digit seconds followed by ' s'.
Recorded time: 1 h 30 min 44 s
